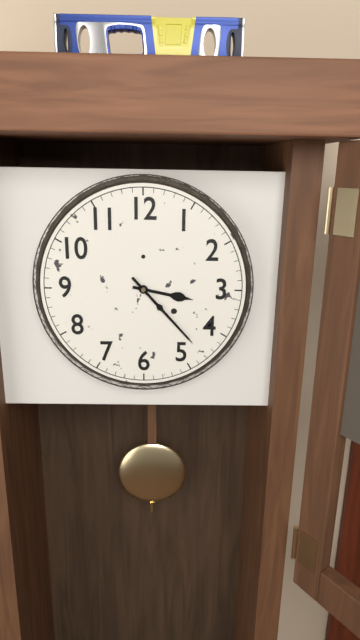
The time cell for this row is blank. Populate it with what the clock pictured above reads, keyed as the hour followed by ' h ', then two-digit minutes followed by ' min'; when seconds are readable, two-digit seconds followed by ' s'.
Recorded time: 3 h 23 min
